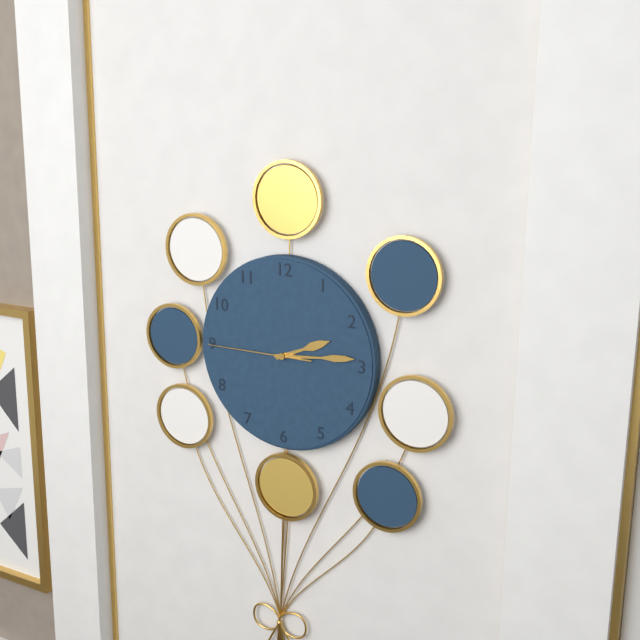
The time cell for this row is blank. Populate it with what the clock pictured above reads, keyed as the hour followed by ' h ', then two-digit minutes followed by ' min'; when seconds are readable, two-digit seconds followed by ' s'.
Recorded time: 2 h 14 min 45 s
